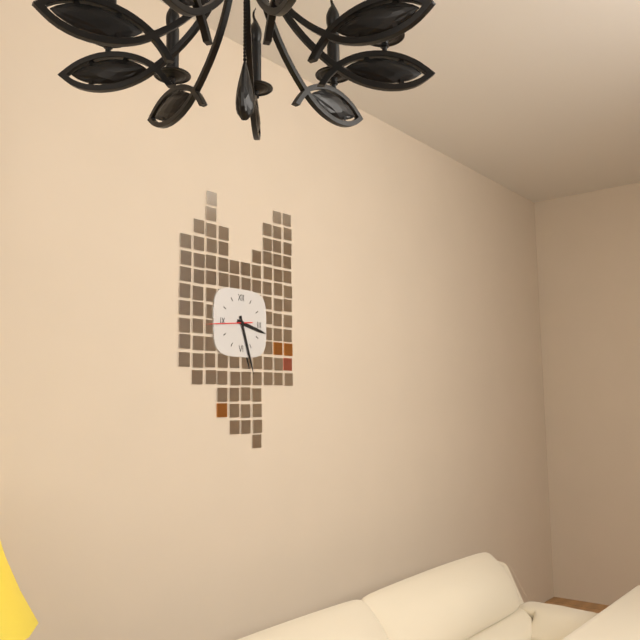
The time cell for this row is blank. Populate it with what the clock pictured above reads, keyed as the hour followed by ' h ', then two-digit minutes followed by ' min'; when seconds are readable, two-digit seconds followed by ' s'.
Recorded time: 3 h 27 min
